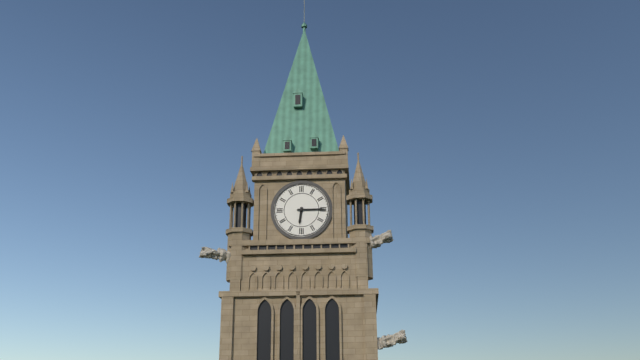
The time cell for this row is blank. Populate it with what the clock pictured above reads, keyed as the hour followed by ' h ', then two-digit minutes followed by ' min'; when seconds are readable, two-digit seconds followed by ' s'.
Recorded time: 6 h 15 min
